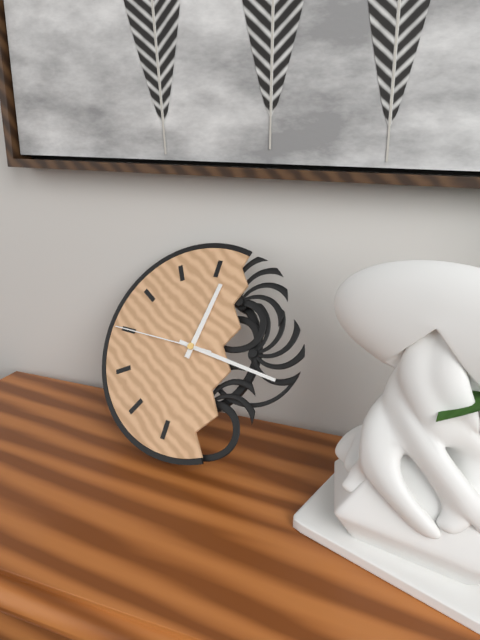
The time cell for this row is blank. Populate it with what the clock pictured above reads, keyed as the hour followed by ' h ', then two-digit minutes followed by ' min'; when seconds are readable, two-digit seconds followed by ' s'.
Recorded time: 12 h 16 min 45 s
